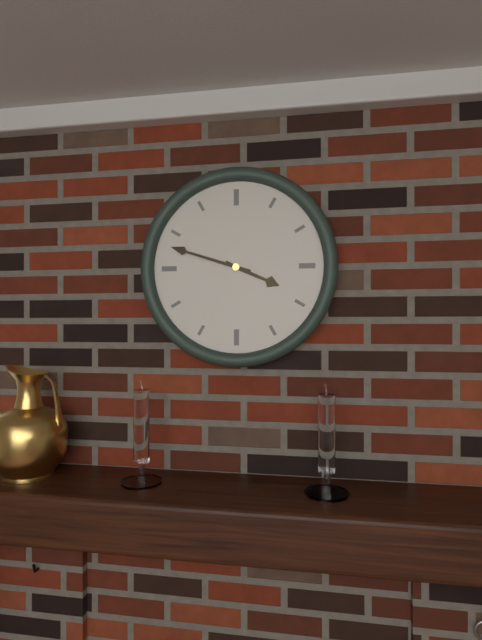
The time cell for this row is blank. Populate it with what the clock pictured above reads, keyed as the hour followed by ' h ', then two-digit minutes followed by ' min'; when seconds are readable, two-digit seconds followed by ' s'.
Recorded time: 3 h 48 min
